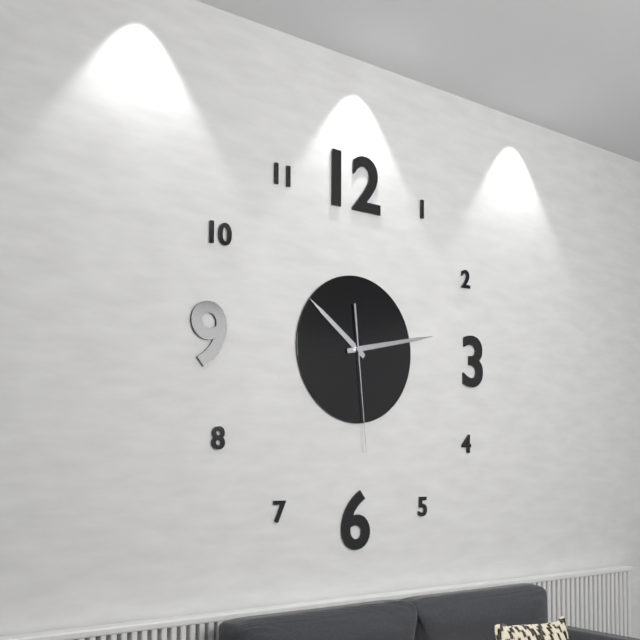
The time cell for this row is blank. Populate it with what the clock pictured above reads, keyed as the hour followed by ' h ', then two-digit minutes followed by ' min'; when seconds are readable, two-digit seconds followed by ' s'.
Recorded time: 10 h 13 min 29 s
